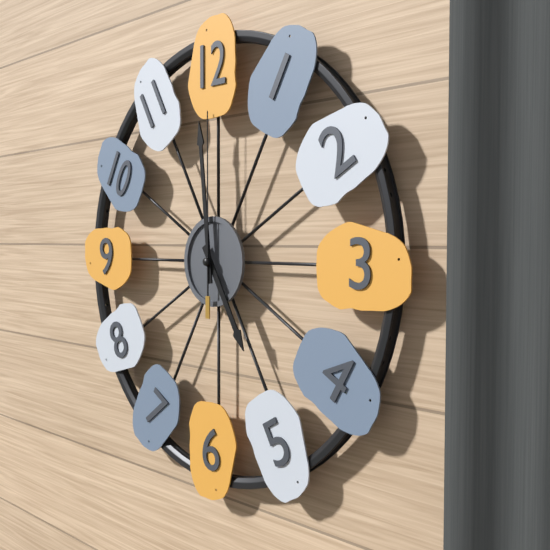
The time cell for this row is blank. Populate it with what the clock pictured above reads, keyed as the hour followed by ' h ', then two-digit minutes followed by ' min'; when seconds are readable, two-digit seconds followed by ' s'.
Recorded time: 4 h 59 min 00 s
